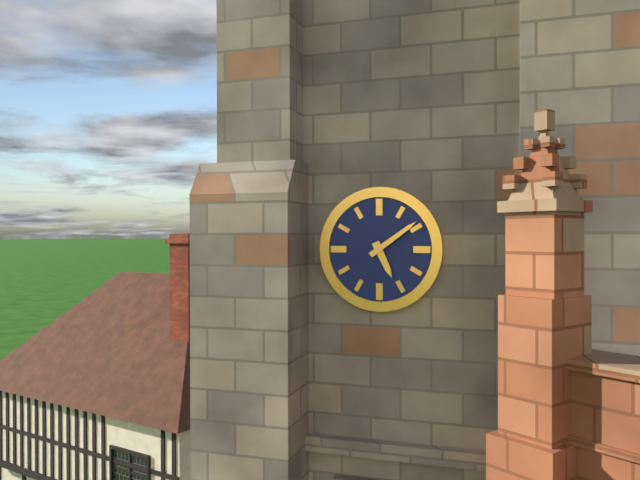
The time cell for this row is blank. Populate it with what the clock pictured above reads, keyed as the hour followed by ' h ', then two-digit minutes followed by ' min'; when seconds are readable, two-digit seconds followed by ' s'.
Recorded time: 5 h 09 min
